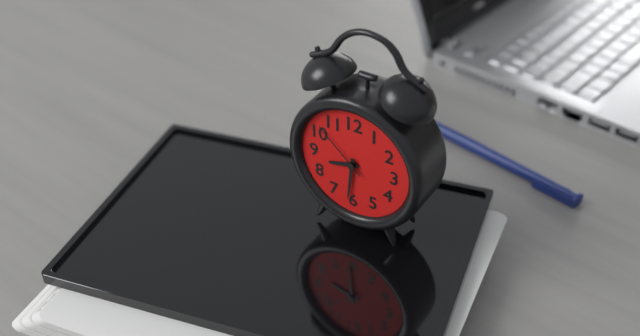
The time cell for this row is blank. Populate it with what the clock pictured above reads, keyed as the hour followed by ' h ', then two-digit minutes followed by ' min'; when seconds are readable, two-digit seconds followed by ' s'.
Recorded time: 8 h 31 min 52 s
